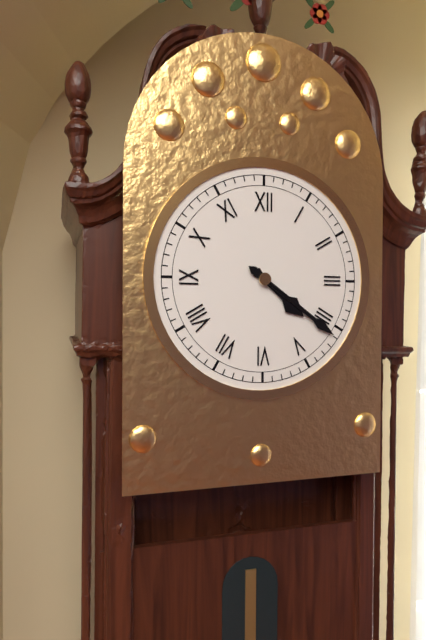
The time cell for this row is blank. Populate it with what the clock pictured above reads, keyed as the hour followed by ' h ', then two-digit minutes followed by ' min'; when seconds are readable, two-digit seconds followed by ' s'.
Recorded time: 4 h 21 min
